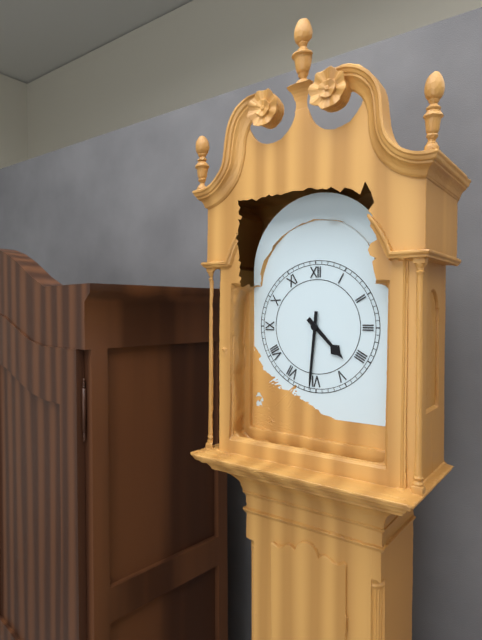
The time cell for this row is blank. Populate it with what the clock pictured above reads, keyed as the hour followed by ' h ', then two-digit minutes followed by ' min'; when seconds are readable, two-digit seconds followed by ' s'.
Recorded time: 4 h 31 min
